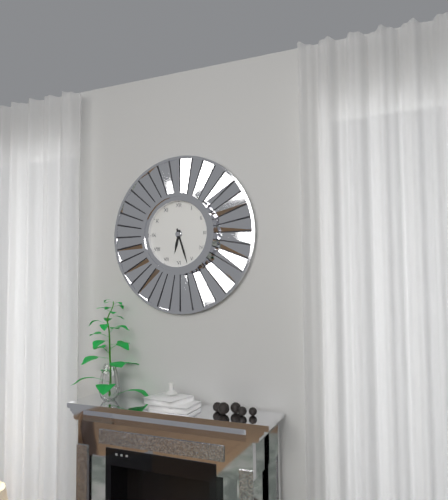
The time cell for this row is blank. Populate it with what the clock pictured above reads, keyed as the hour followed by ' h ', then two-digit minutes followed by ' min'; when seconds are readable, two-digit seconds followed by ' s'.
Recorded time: 6 h 27 min
